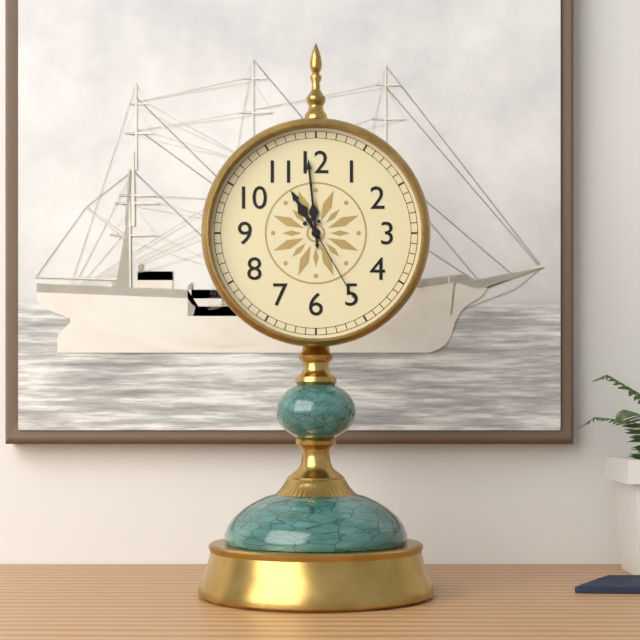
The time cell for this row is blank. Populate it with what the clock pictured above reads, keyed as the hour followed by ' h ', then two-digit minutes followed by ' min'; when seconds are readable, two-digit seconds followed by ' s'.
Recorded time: 10 h 59 min 25 s
